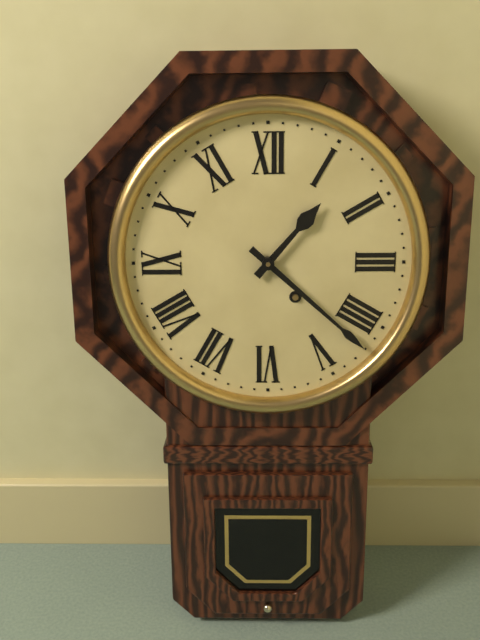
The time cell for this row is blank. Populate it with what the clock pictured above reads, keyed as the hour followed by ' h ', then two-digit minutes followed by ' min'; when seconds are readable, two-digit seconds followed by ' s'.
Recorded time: 1 h 22 min
